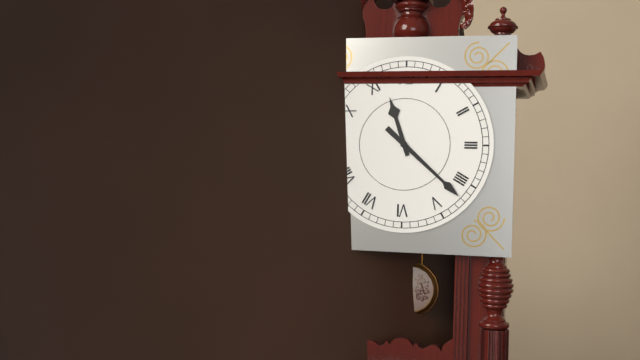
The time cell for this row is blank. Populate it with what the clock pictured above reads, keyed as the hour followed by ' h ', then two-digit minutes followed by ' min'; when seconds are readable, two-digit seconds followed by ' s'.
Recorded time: 11 h 22 min
